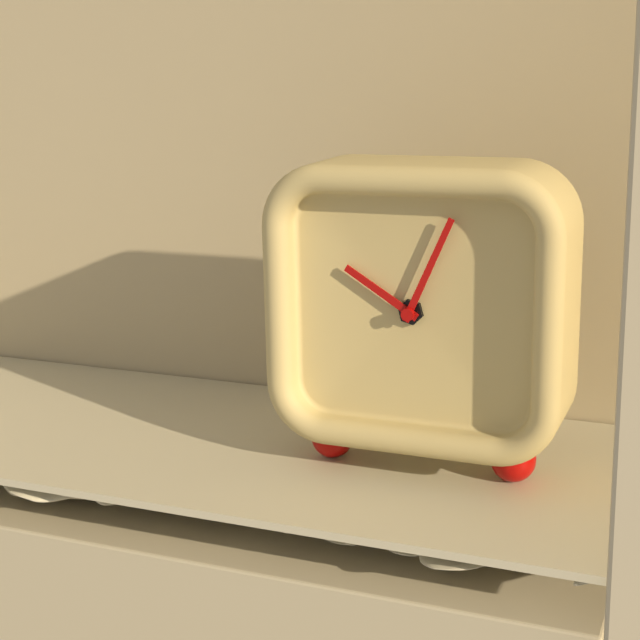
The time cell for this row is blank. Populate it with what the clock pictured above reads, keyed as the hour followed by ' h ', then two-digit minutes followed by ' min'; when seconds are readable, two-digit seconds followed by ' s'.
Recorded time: 10 h 04 min
